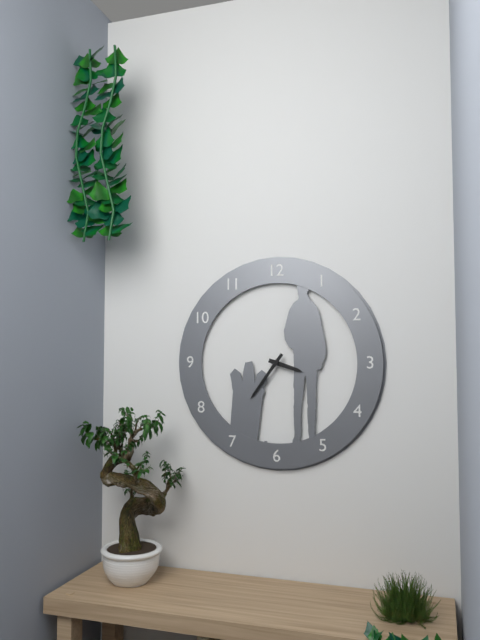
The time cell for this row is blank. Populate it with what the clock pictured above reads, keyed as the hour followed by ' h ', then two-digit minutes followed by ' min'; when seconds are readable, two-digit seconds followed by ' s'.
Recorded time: 3 h 36 min
